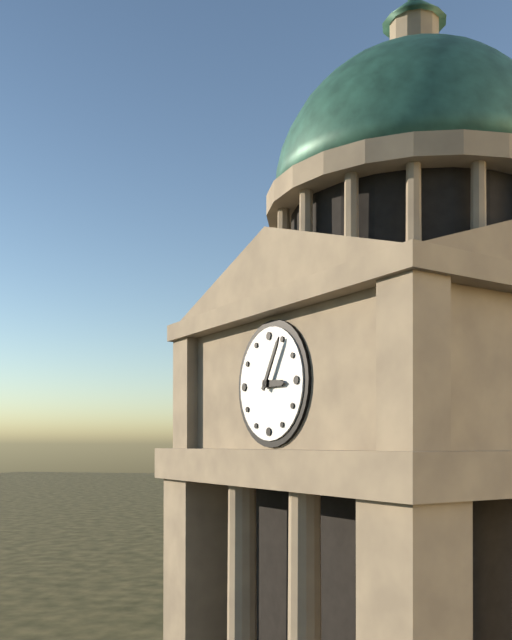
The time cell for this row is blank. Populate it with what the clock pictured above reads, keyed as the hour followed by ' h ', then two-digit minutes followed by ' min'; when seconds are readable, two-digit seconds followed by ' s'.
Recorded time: 3 h 05 min
